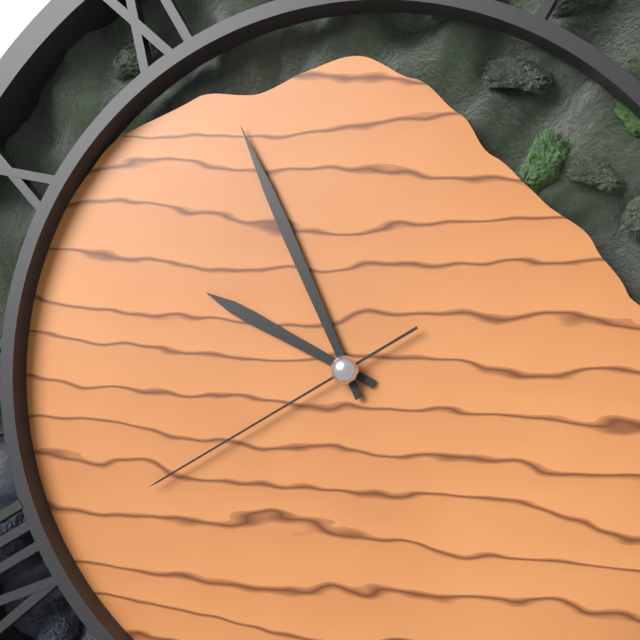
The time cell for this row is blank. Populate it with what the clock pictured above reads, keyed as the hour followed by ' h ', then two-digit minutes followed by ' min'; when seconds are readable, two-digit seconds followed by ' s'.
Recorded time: 9 h 56 min 40 s
